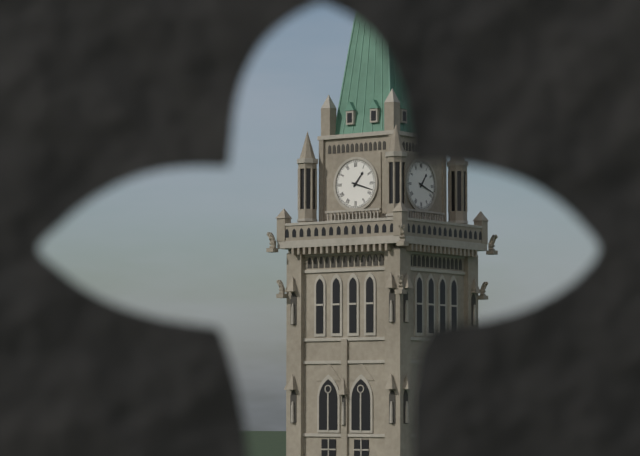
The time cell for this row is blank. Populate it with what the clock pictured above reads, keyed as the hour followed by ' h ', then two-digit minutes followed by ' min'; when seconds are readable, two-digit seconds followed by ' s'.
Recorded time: 1 h 18 min
